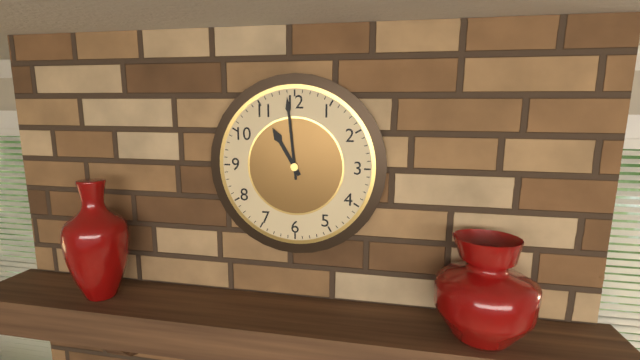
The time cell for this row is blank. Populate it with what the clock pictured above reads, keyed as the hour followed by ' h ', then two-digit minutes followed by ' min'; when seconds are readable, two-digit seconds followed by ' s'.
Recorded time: 10 h 59 min
